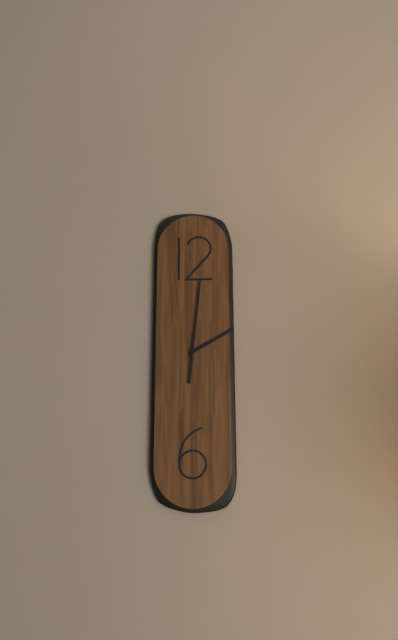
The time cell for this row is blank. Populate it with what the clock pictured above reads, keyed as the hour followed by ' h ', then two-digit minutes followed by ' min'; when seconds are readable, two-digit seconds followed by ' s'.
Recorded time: 2 h 01 min
